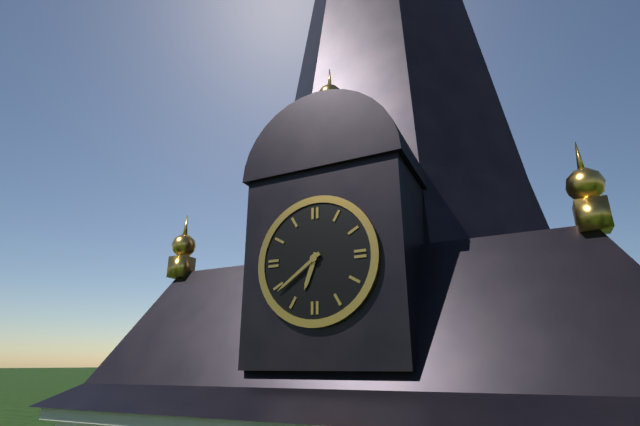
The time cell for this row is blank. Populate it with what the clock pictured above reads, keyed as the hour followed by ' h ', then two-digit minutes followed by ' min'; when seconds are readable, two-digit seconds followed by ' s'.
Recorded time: 6 h 39 min
